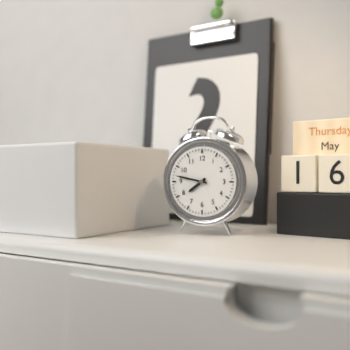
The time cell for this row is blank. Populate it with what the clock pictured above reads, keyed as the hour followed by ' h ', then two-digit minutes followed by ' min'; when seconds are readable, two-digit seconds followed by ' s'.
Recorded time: 7 h 47 min
